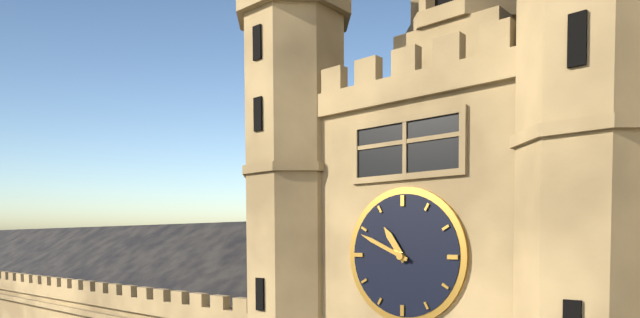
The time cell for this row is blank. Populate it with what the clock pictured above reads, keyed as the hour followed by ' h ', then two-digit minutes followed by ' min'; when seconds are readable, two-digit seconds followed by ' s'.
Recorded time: 10 h 49 min
